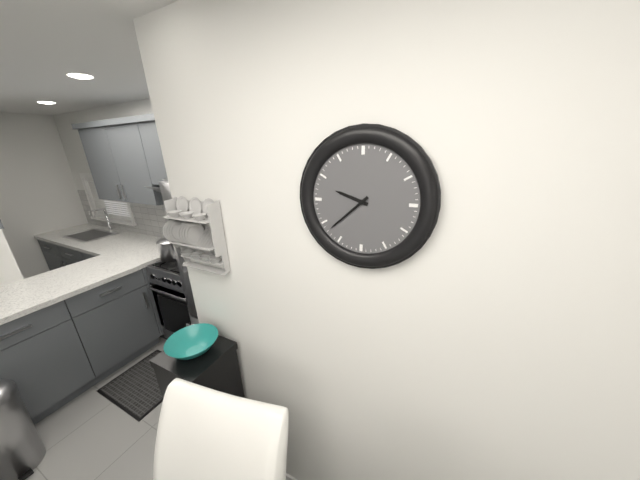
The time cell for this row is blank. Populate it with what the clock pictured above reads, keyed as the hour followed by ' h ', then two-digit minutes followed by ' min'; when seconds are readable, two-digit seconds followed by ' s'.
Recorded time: 9 h 38 min
